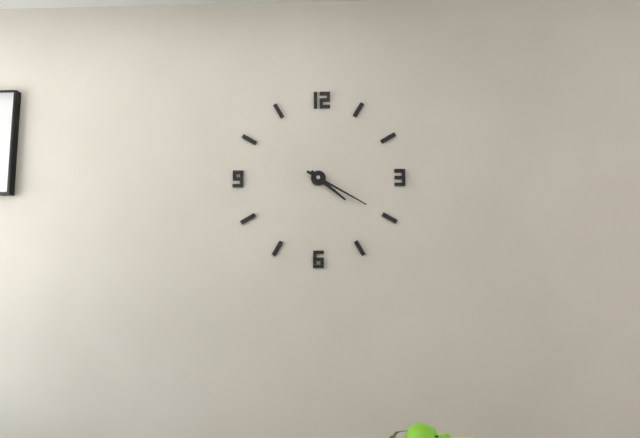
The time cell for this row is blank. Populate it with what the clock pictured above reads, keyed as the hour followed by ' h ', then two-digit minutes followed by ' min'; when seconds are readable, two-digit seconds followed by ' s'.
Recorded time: 4 h 20 min
